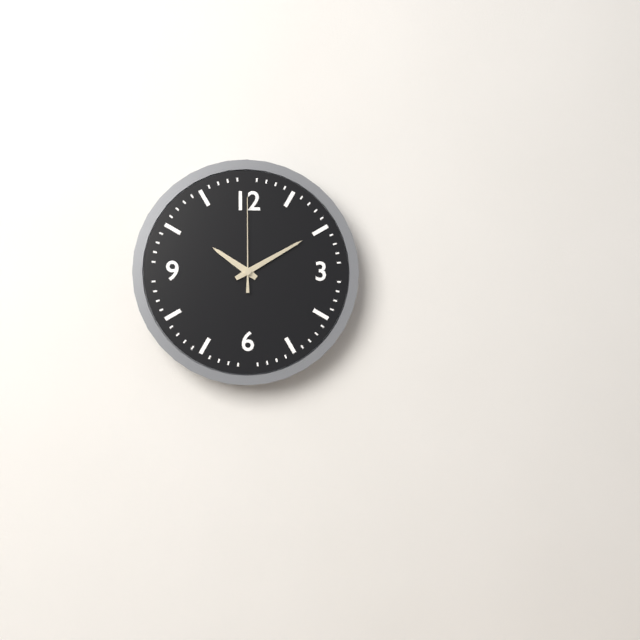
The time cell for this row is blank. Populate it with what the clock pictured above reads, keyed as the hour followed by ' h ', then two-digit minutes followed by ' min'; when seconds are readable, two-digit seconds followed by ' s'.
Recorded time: 10 h 10 min 00 s
